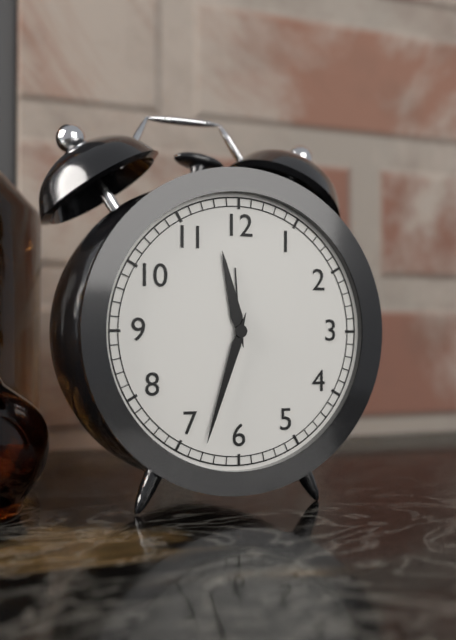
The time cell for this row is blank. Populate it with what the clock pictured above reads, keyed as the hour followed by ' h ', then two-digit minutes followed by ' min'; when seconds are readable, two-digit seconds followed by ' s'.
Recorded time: 11 h 33 min
